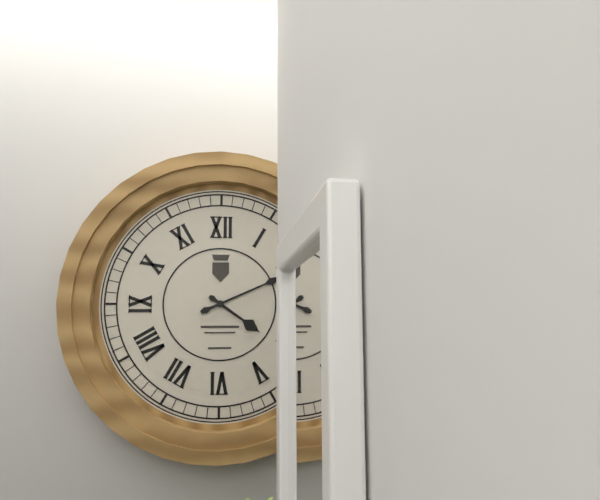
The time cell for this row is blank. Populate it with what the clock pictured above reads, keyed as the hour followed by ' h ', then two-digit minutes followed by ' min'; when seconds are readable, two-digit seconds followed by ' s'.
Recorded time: 4 h 11 min
